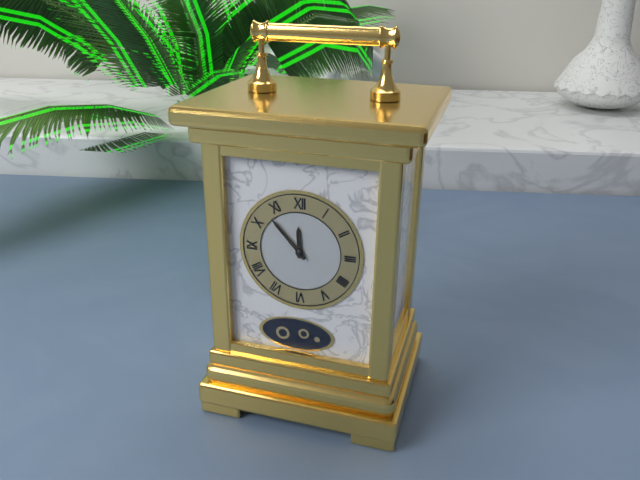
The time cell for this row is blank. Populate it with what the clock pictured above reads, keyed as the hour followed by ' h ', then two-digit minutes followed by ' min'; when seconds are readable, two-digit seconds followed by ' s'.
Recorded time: 11 h 53 min
